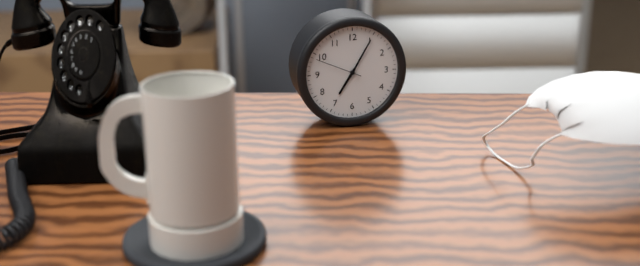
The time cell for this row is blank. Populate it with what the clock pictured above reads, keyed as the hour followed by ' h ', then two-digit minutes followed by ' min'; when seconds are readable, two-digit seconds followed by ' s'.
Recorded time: 7 h 05 min
